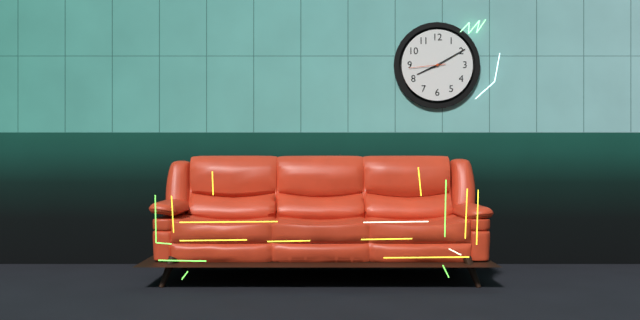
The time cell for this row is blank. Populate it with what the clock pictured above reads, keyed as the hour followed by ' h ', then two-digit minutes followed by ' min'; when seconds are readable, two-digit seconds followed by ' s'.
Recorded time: 8 h 10 min
